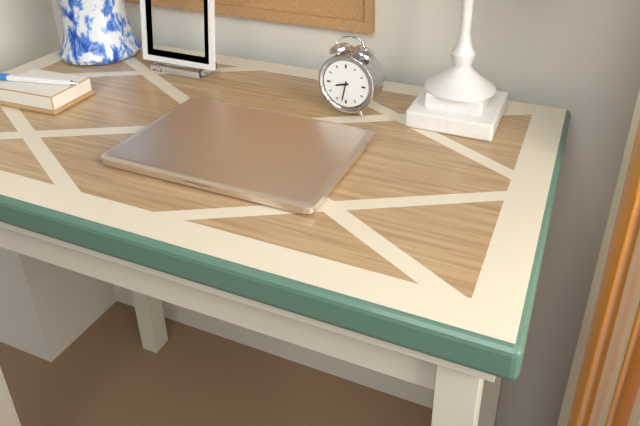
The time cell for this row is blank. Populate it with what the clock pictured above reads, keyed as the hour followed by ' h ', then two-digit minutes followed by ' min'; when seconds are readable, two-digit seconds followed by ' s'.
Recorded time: 8 h 32 min
